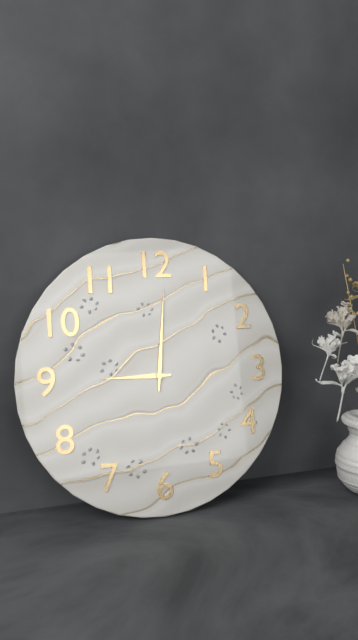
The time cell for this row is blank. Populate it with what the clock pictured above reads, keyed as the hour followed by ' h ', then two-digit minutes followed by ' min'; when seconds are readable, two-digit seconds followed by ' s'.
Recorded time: 9 h 01 min
